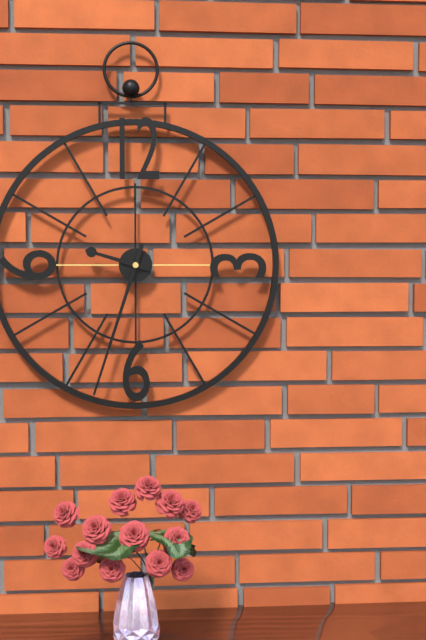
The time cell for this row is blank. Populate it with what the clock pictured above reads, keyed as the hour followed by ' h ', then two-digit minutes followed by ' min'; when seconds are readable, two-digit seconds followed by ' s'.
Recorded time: 9 h 33 min
